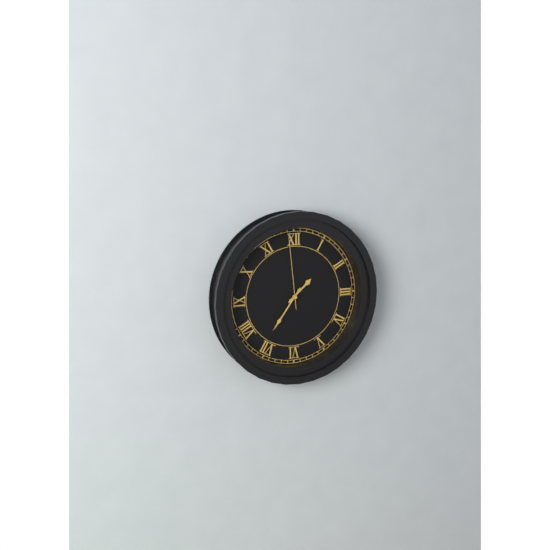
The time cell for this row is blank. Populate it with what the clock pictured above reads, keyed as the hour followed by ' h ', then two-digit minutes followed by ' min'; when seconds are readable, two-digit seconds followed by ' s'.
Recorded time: 1 h 36 min 59 s
